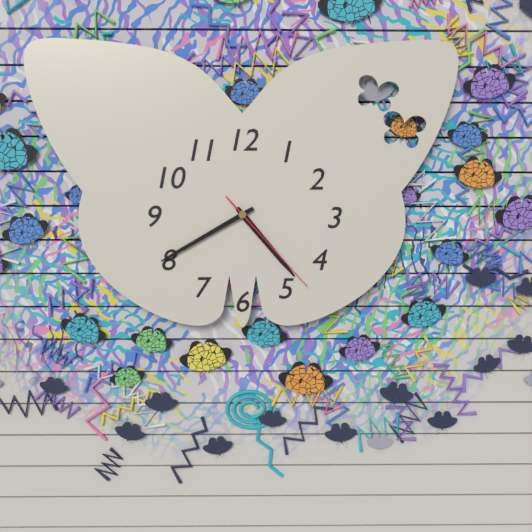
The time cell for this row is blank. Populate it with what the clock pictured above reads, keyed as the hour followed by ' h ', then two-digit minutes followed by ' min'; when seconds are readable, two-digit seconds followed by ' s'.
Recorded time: 4 h 40 min 23 s
